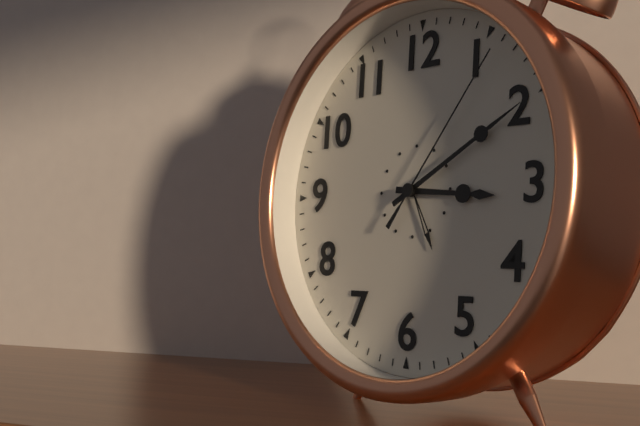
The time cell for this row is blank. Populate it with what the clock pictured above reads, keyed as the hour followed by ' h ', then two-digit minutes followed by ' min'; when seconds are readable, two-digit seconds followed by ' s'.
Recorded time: 3 h 10 min 06 s
